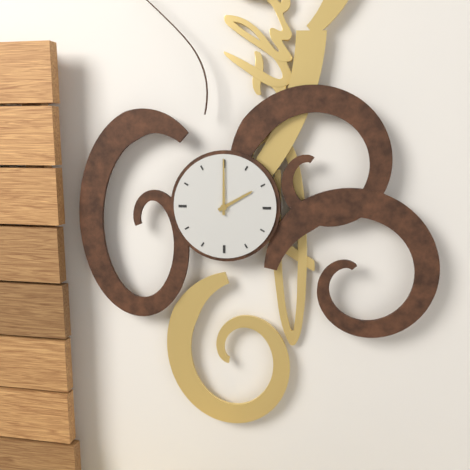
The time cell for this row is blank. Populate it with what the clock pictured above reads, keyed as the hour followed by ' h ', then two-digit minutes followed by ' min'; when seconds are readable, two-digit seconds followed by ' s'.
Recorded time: 2 h 00 min
